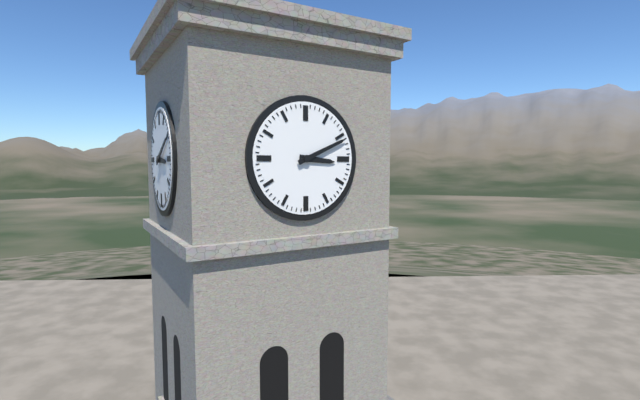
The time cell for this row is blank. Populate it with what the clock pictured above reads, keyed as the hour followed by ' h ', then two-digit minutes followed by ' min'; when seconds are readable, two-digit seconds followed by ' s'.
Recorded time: 3 h 11 min
